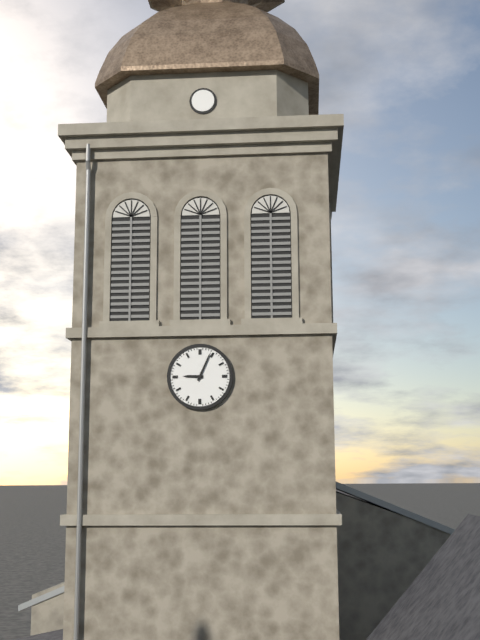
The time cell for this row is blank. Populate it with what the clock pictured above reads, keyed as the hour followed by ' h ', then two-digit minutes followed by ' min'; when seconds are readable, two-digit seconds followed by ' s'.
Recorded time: 9 h 04 min
